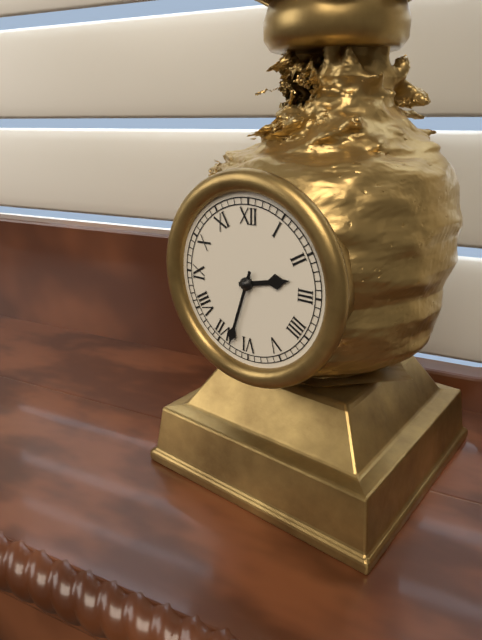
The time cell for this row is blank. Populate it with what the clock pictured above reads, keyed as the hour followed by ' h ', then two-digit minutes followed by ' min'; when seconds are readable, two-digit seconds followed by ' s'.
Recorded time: 2 h 33 min
